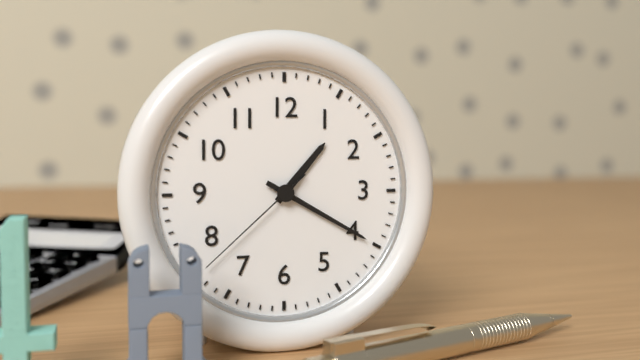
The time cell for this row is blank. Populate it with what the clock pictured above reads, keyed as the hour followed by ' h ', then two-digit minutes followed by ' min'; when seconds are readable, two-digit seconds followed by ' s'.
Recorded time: 1 h 20 min 38 s
